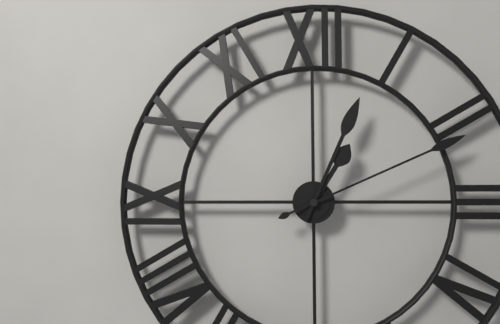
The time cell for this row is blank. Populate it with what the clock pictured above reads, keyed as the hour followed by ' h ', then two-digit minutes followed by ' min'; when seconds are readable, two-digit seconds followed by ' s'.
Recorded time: 1 h 04 min 11 s
